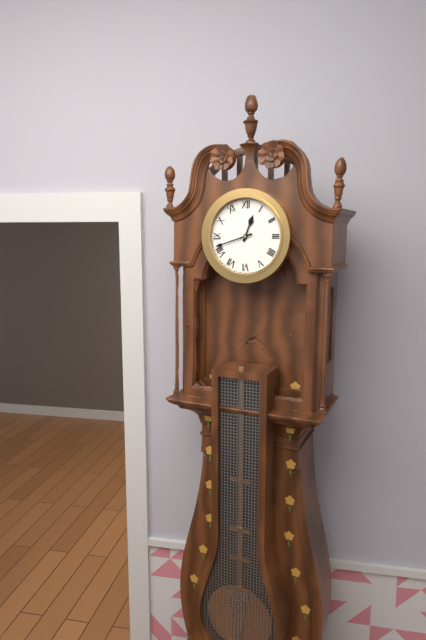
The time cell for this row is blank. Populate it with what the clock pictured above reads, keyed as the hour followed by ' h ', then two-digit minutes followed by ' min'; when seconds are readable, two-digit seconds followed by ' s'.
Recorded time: 12 h 42 min
